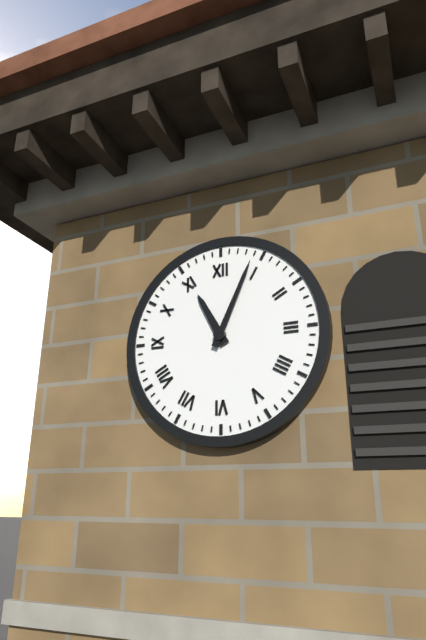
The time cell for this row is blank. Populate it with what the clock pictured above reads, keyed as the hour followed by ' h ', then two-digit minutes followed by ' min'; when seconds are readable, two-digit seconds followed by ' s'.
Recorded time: 11 h 04 min
